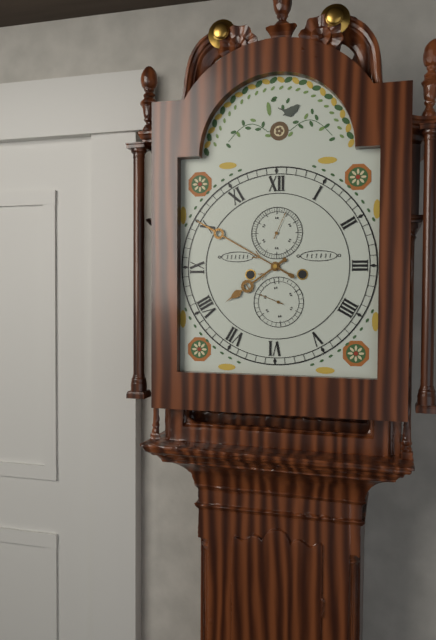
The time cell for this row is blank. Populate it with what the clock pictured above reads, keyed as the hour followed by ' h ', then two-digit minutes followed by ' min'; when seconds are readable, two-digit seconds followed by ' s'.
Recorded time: 7 h 50 min
